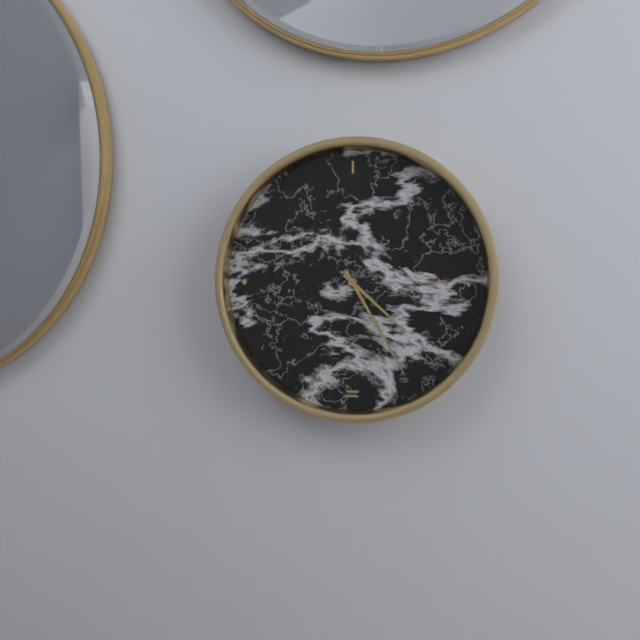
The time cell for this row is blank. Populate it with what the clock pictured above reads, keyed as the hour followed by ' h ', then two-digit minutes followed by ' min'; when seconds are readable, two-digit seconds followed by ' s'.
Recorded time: 4 h 25 min
